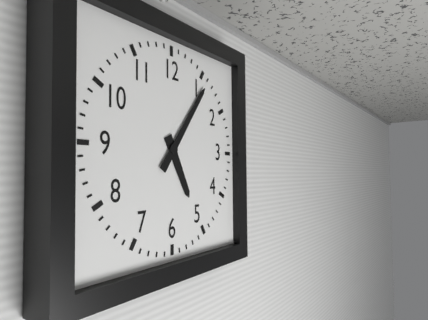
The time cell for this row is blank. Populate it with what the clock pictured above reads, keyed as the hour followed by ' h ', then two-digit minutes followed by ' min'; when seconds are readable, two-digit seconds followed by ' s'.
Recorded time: 5 h 06 min
